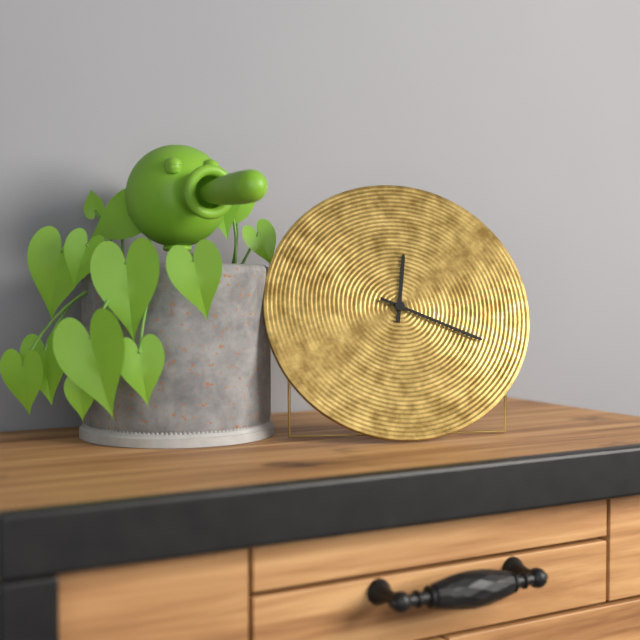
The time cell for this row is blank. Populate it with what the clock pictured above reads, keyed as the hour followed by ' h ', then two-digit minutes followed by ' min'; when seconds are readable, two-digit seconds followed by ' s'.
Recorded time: 12 h 19 min
